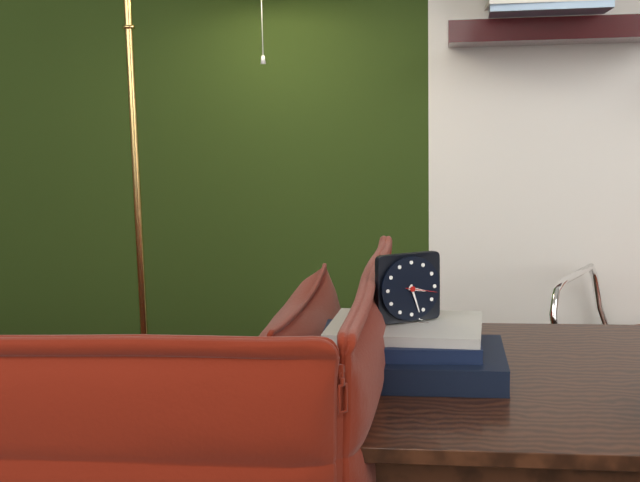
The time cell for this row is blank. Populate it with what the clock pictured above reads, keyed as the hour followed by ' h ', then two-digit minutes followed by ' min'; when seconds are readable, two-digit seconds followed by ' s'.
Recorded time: 3 h 27 min
